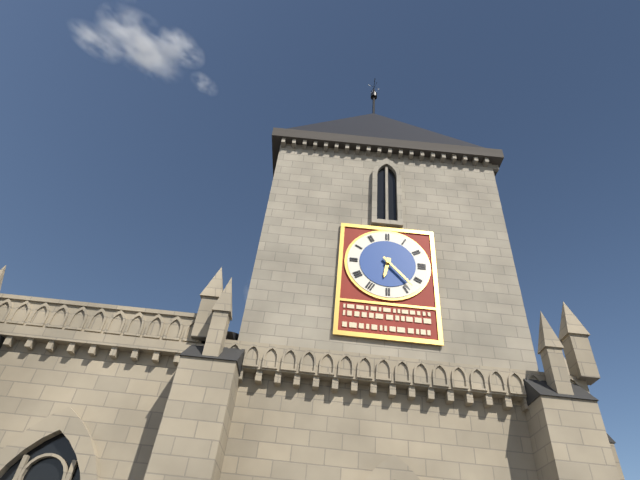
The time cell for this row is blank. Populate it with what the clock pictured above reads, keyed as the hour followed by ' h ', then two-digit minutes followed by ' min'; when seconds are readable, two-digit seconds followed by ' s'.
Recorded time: 6 h 23 min
